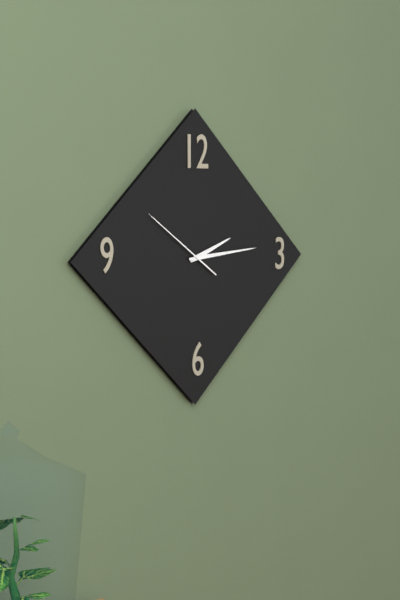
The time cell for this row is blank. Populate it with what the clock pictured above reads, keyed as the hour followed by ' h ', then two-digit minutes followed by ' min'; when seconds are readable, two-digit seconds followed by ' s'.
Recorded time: 2 h 14 min 51 s
